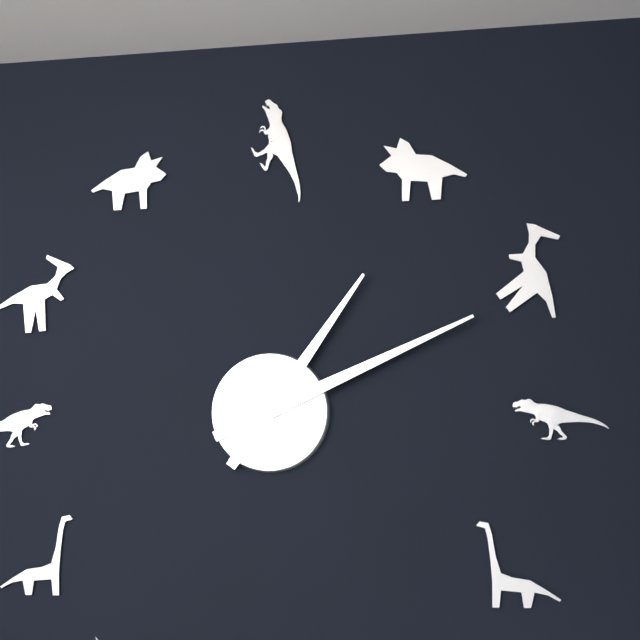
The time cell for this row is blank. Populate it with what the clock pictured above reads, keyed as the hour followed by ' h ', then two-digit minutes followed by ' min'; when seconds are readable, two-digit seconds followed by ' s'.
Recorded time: 1 h 11 min
